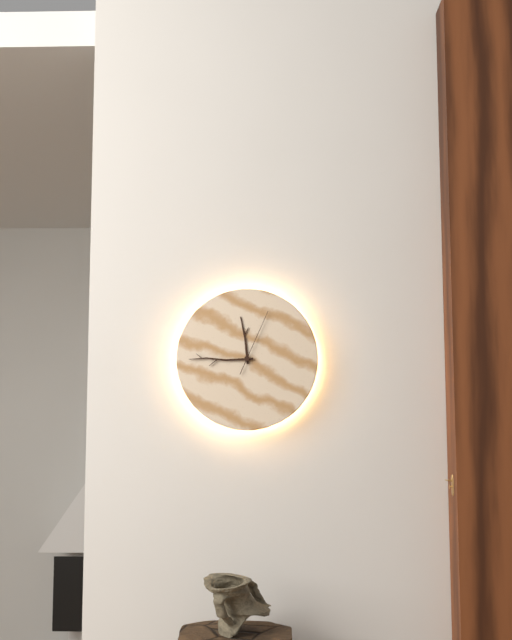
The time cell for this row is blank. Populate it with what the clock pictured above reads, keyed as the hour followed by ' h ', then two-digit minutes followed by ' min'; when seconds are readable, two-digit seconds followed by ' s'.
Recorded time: 11 h 45 min 04 s
